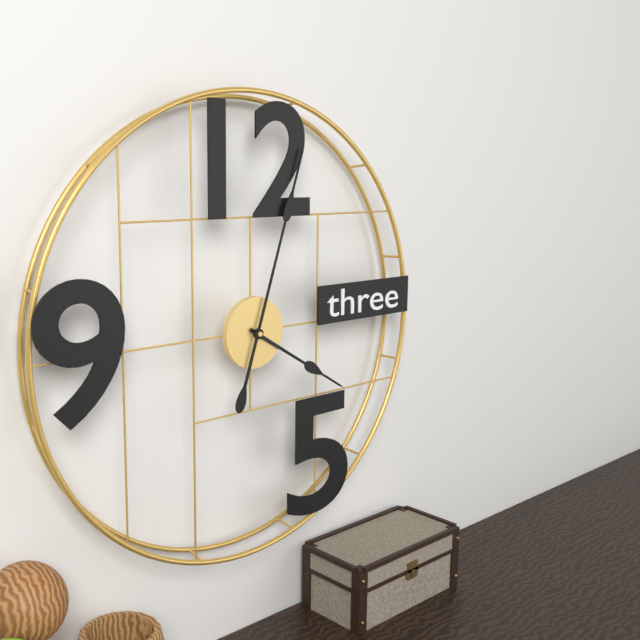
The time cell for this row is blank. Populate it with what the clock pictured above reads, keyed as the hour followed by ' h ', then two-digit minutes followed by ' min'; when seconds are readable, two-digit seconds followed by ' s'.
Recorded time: 4 h 03 min
